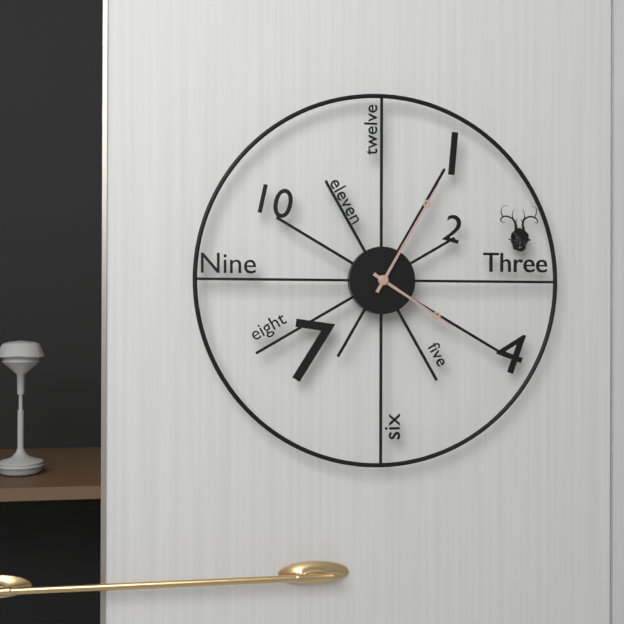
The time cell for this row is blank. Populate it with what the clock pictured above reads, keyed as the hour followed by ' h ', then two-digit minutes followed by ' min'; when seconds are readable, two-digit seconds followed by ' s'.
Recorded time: 4 h 05 min
